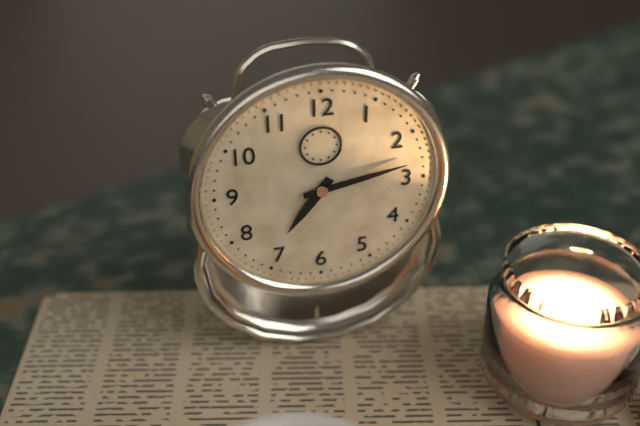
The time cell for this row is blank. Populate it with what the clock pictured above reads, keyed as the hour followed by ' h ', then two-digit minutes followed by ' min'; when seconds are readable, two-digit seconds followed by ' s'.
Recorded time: 7 h 13 min
